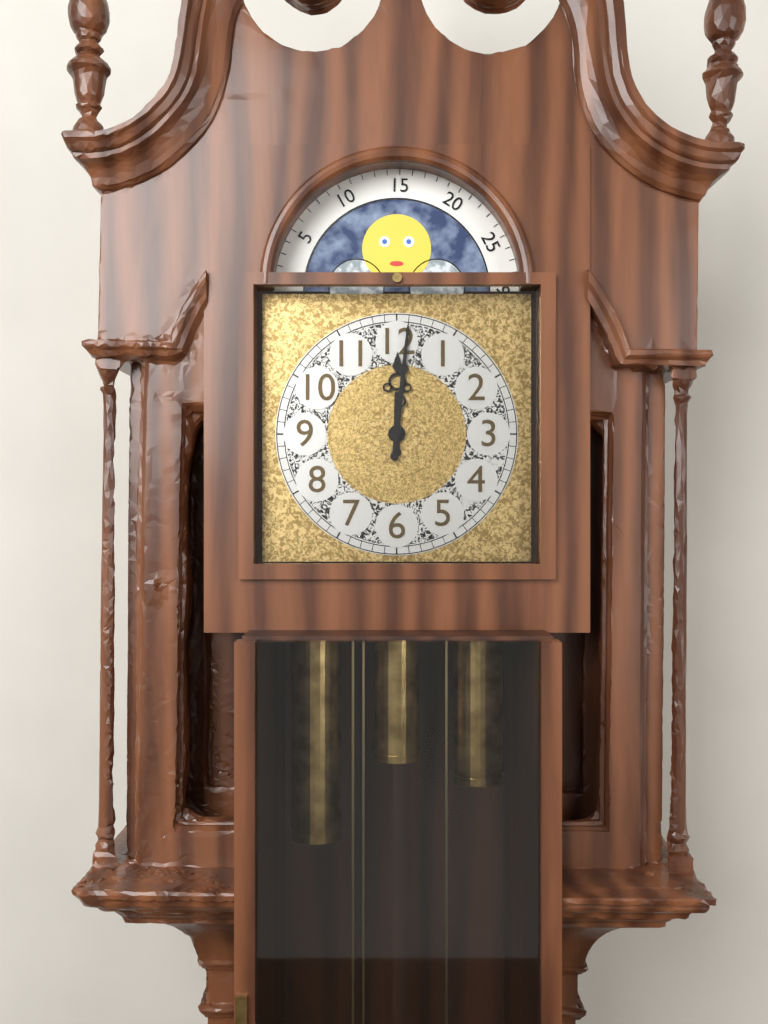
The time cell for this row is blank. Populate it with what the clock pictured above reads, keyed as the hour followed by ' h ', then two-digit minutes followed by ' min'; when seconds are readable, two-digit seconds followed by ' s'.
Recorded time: 12 h 01 min
